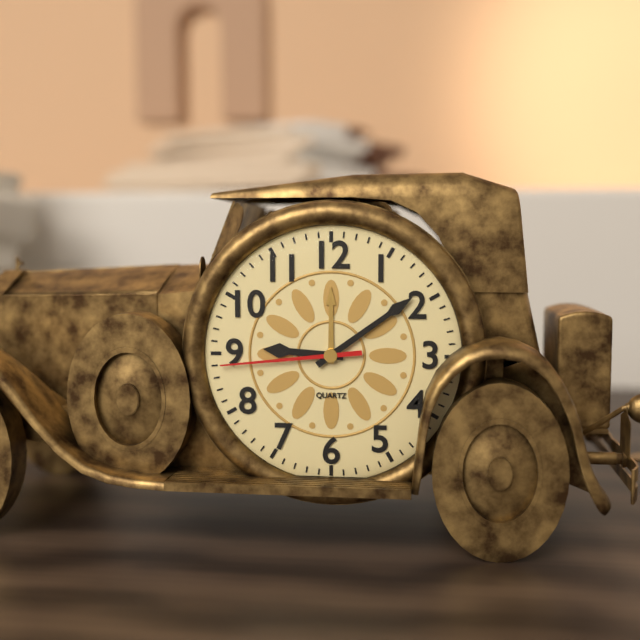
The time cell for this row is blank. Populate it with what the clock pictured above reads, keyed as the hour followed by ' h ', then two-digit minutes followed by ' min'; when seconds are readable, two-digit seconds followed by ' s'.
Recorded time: 9 h 09 min 44 s
